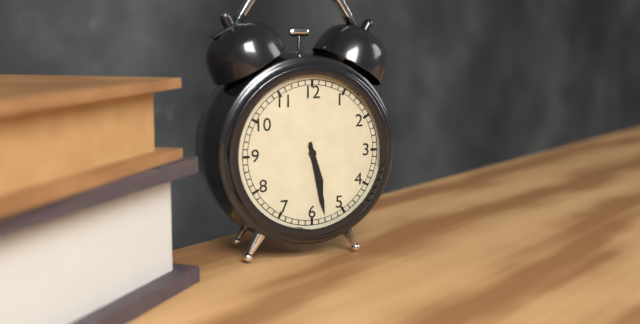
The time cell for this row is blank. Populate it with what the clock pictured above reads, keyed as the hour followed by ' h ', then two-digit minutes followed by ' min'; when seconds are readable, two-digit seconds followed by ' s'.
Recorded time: 5 h 28 min
